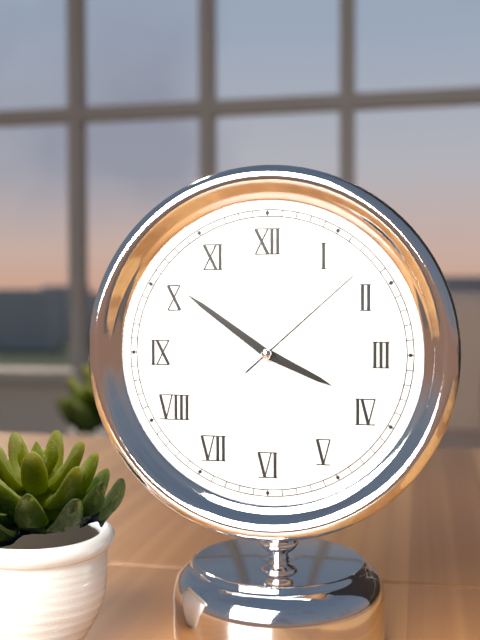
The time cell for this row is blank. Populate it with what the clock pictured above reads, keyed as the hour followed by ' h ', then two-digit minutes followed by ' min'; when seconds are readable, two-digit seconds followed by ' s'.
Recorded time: 3 h 51 min 08 s
